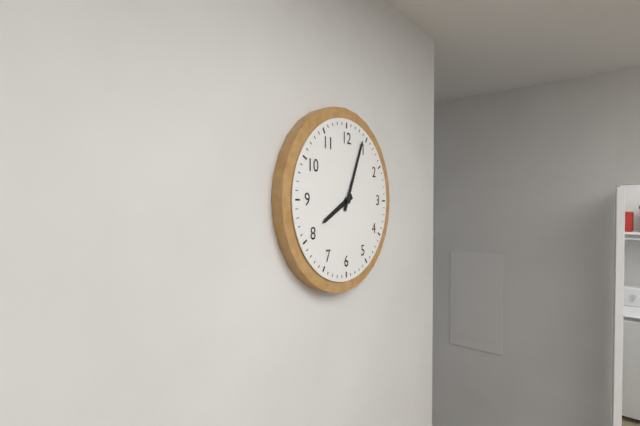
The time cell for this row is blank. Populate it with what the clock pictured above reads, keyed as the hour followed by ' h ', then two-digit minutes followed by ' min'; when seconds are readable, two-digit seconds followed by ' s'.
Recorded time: 8 h 04 min
